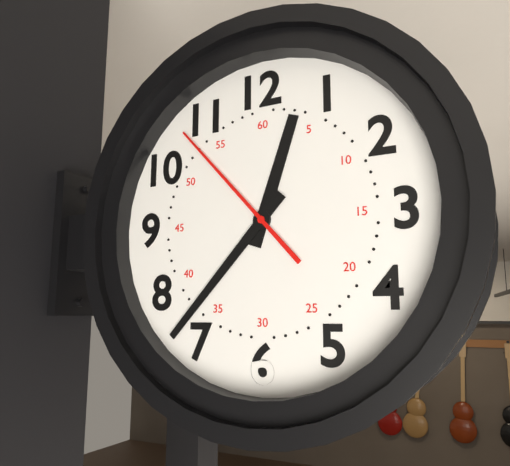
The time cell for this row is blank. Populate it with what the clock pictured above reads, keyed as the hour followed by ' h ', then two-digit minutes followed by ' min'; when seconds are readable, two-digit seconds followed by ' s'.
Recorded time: 12 h 37 min 53 s
